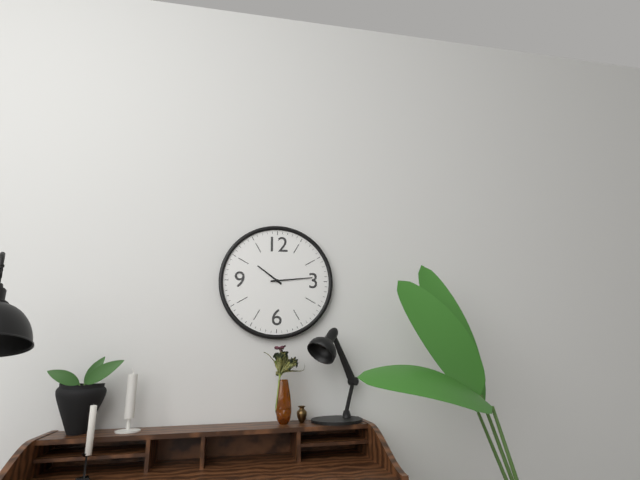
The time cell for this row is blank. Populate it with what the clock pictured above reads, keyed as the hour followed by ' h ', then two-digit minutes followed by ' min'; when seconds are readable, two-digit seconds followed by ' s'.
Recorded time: 10 h 14 min
